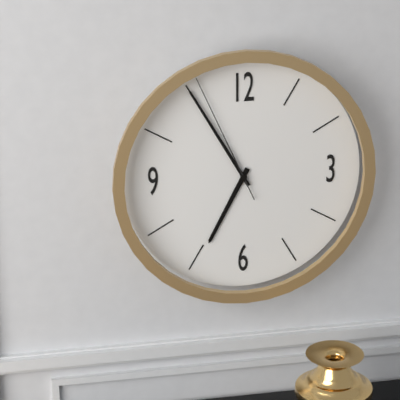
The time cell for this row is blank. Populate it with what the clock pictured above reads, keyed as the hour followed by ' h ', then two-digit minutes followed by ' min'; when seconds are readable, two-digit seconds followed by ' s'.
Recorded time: 6 h 55 min 56 s
